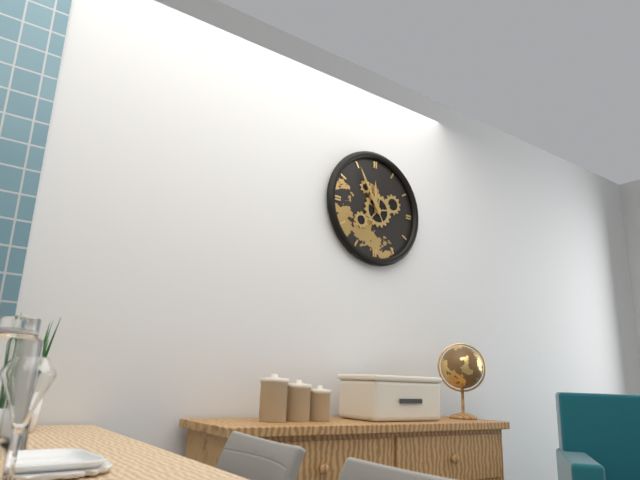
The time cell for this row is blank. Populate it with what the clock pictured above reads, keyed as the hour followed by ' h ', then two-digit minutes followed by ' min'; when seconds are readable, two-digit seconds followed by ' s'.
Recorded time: 11 h 55 min
